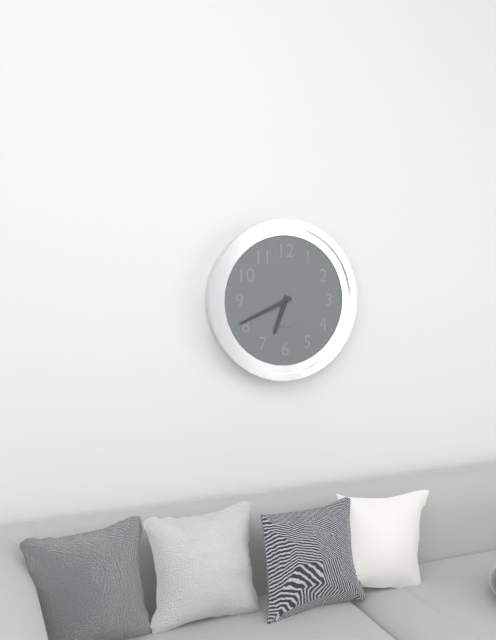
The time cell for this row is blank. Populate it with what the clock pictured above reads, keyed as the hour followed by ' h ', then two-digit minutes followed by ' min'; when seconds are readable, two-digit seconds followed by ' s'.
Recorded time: 6 h 41 min
